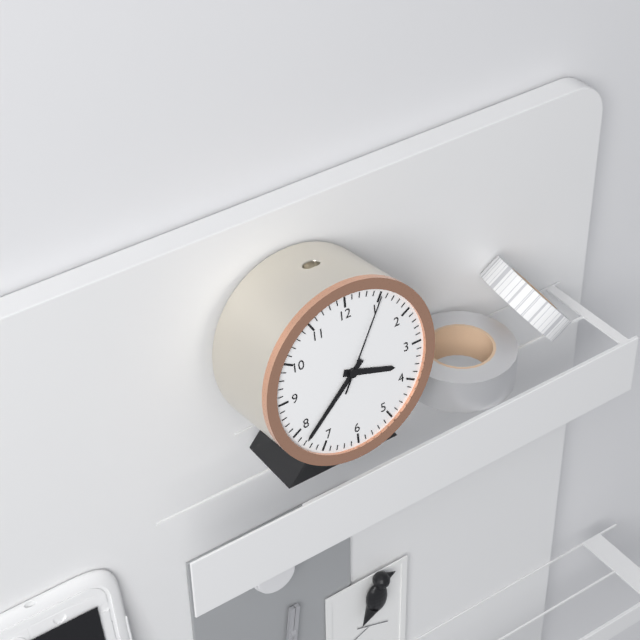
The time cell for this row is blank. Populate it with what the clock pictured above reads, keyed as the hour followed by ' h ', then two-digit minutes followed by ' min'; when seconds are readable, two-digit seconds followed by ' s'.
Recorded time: 3 h 38 min 05 s
